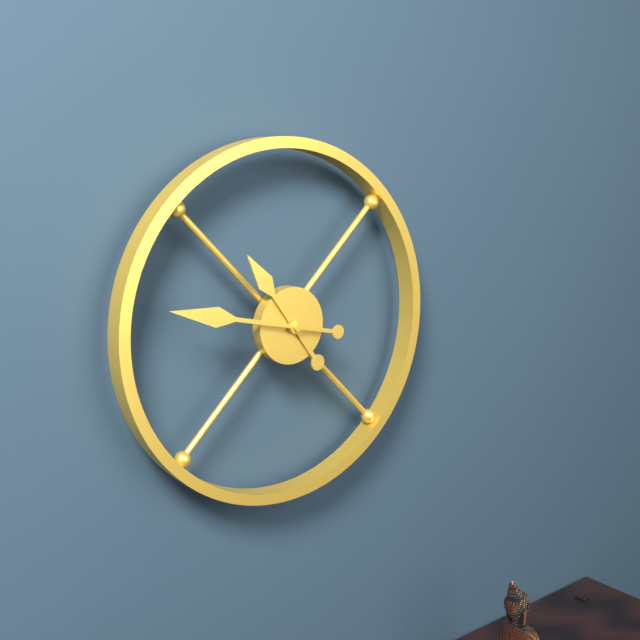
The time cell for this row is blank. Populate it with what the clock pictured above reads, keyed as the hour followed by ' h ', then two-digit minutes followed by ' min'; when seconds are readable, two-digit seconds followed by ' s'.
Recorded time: 10 h 47 min
